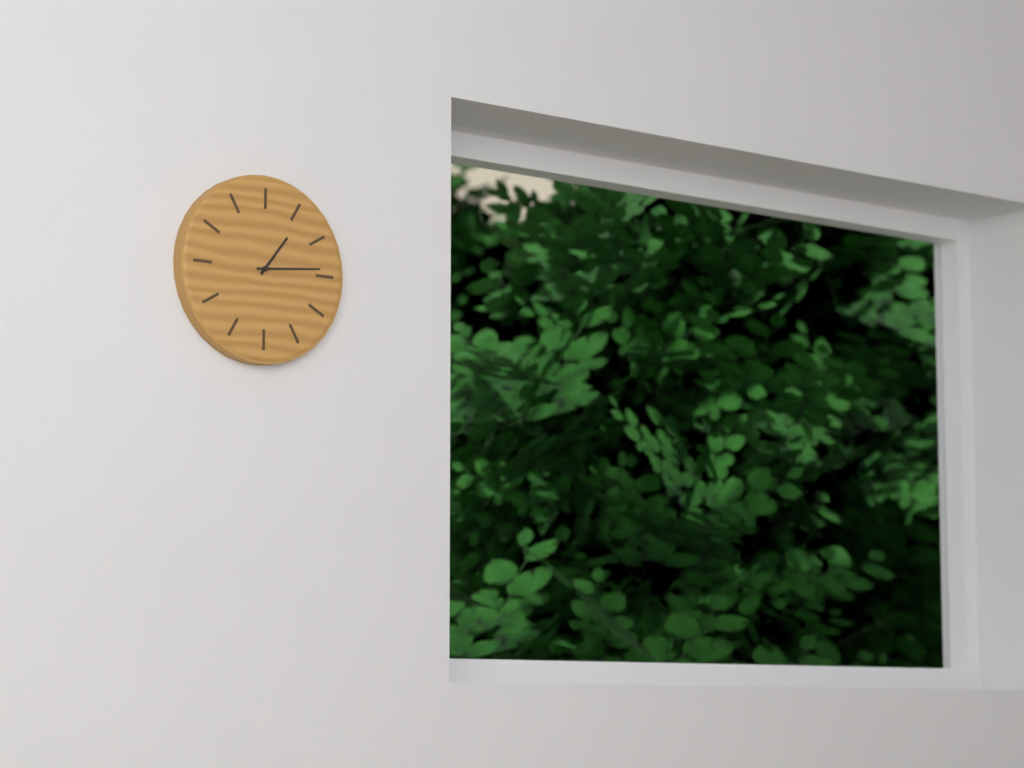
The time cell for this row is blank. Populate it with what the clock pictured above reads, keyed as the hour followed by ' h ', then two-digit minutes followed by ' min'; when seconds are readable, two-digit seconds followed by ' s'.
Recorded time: 1 h 14 min
